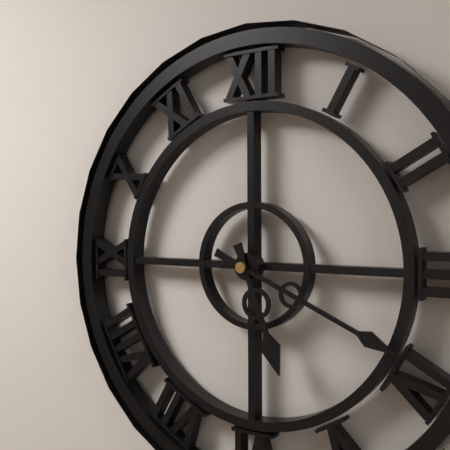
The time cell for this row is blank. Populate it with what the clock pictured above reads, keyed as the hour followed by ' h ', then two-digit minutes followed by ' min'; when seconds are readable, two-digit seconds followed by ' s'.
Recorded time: 5 h 19 min
